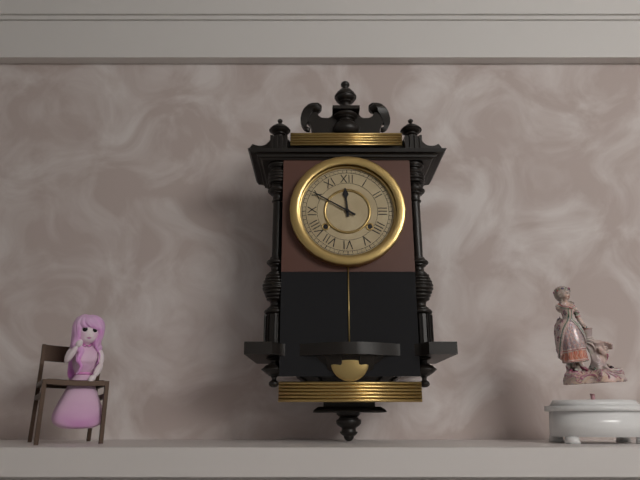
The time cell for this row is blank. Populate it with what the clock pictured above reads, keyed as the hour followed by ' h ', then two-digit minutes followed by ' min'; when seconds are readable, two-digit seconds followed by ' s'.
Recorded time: 11 h 50 min
